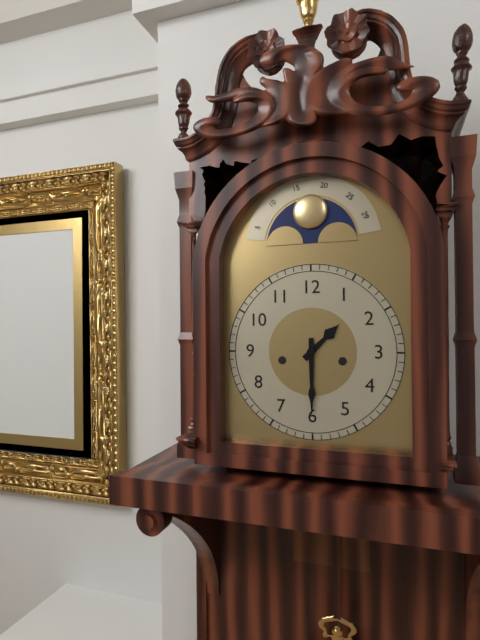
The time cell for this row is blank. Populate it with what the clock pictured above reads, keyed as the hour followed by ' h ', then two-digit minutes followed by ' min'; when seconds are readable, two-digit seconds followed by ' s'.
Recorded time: 1 h 30 min
